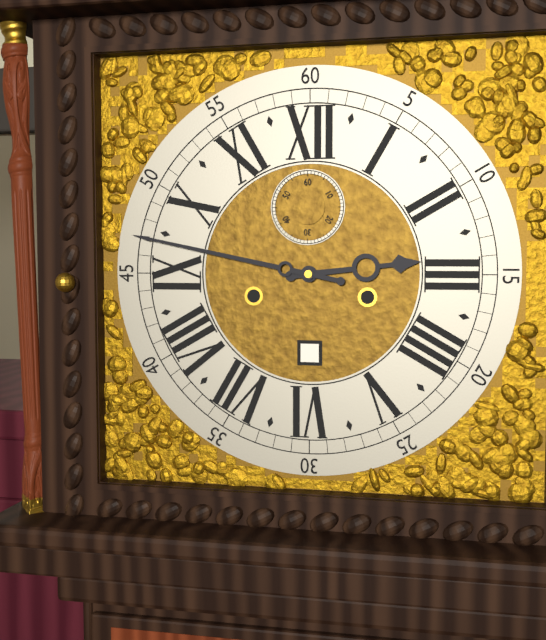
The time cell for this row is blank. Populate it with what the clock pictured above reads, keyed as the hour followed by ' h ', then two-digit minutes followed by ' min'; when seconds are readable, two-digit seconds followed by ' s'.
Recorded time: 2 h 47 min
